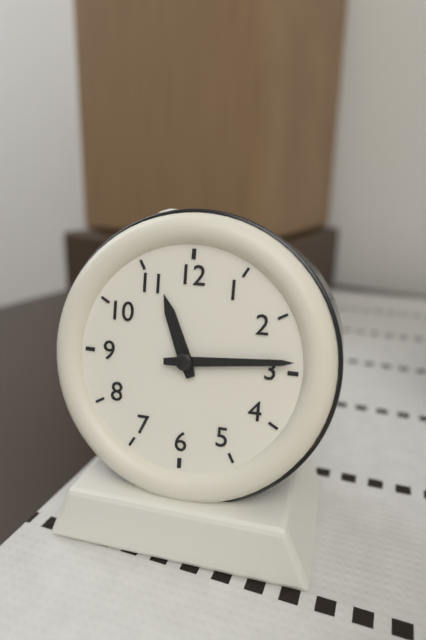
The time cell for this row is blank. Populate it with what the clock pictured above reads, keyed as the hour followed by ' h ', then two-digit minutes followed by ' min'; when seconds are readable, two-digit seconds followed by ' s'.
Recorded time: 11 h 14 min
